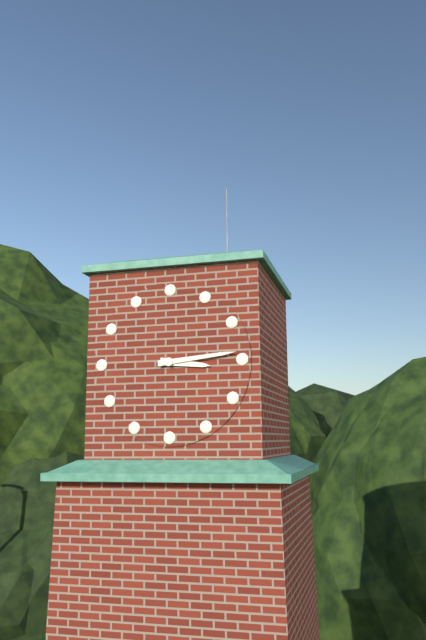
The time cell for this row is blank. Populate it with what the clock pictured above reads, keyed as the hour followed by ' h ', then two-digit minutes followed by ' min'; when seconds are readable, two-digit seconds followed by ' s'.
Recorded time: 3 h 14 min
